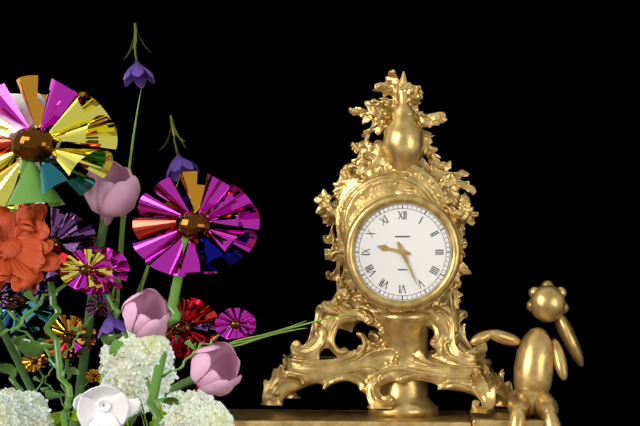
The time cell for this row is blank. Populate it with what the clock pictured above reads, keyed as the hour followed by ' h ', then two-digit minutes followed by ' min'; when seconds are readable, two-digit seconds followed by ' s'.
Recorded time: 9 h 26 min
